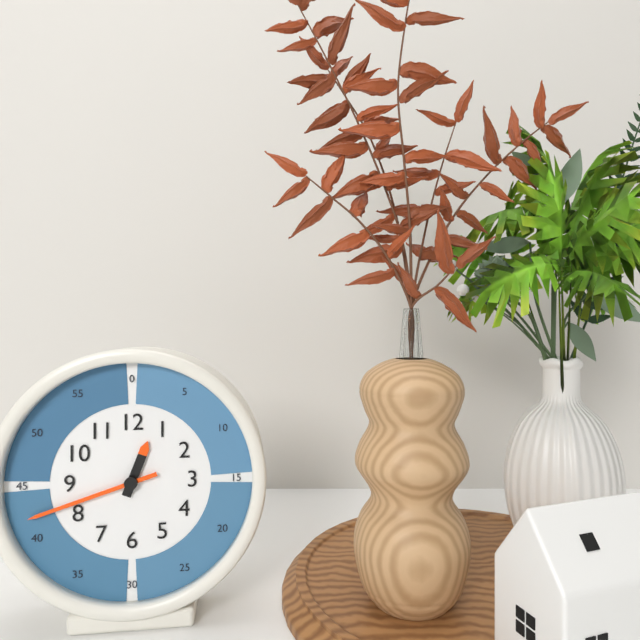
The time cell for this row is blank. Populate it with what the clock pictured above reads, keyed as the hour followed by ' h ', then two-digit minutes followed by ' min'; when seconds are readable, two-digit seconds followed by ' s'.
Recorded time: 12 h 42 min
